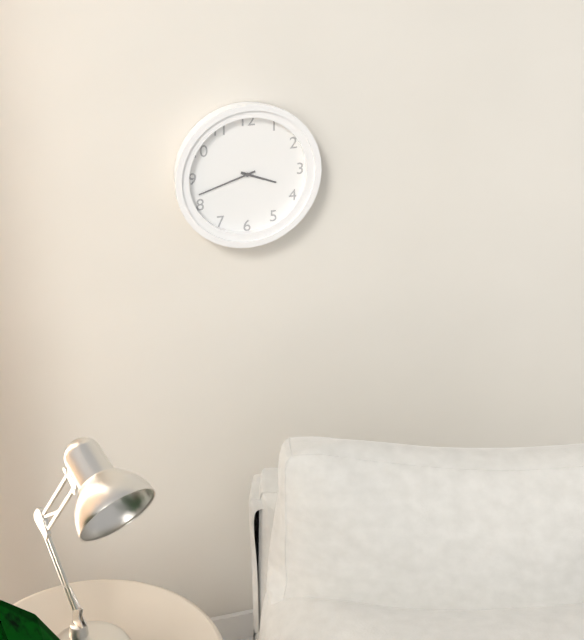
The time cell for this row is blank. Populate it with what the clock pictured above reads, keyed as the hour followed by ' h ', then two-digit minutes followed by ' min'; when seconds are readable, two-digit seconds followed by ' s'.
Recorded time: 3 h 42 min
